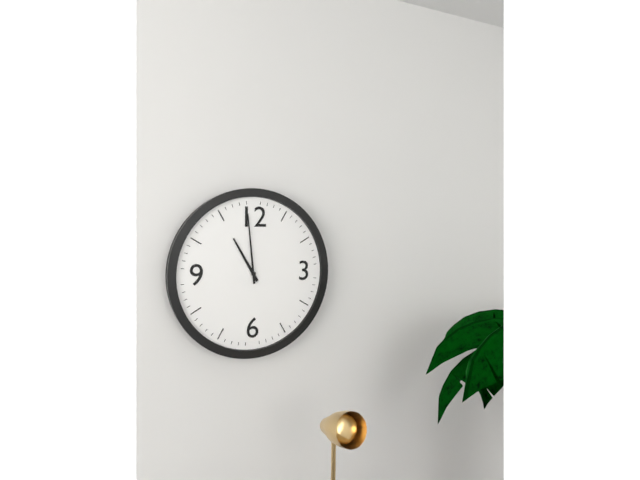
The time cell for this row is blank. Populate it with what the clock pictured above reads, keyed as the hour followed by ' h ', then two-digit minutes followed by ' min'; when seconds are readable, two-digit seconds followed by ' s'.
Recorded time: 10 h 59 min
